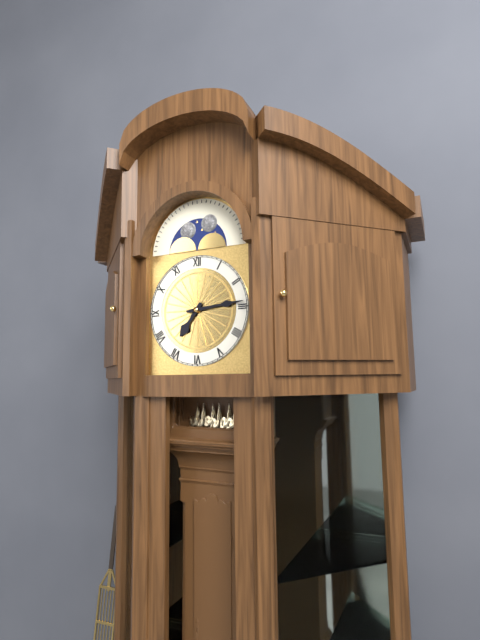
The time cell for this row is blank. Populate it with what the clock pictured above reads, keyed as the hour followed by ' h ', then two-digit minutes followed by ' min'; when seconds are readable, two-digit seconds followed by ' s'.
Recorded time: 7 h 14 min
